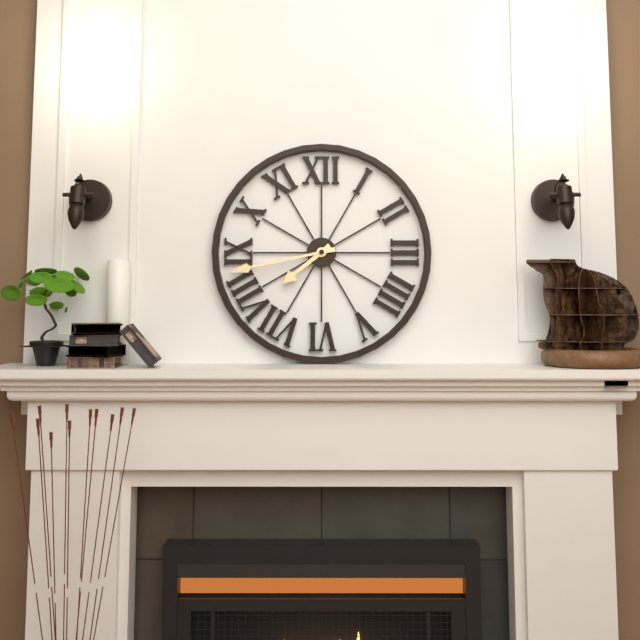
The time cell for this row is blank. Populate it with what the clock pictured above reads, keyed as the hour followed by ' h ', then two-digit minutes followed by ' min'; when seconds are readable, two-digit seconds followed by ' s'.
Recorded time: 7 h 43 min
